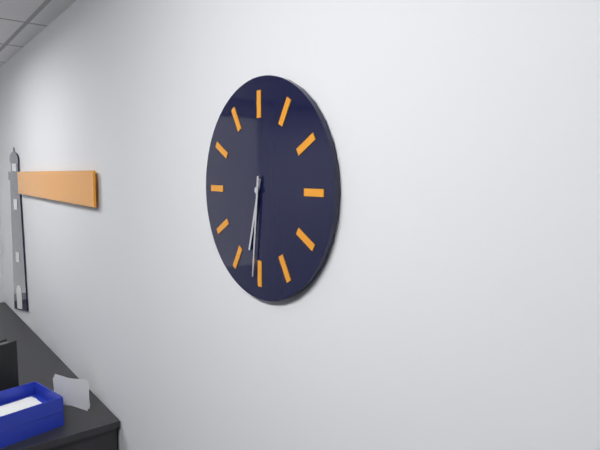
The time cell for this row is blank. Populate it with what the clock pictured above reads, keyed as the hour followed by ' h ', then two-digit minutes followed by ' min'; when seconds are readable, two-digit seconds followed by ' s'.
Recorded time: 6 h 31 min
